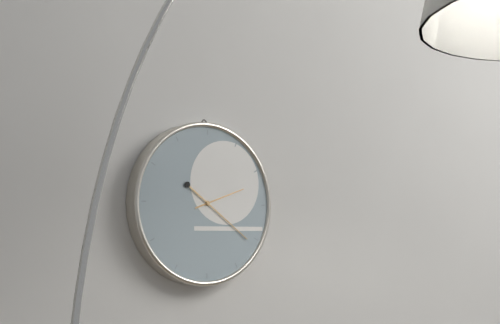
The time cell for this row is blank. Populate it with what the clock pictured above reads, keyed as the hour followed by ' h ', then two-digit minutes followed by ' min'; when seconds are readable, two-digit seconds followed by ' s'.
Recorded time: 2 h 21 min
